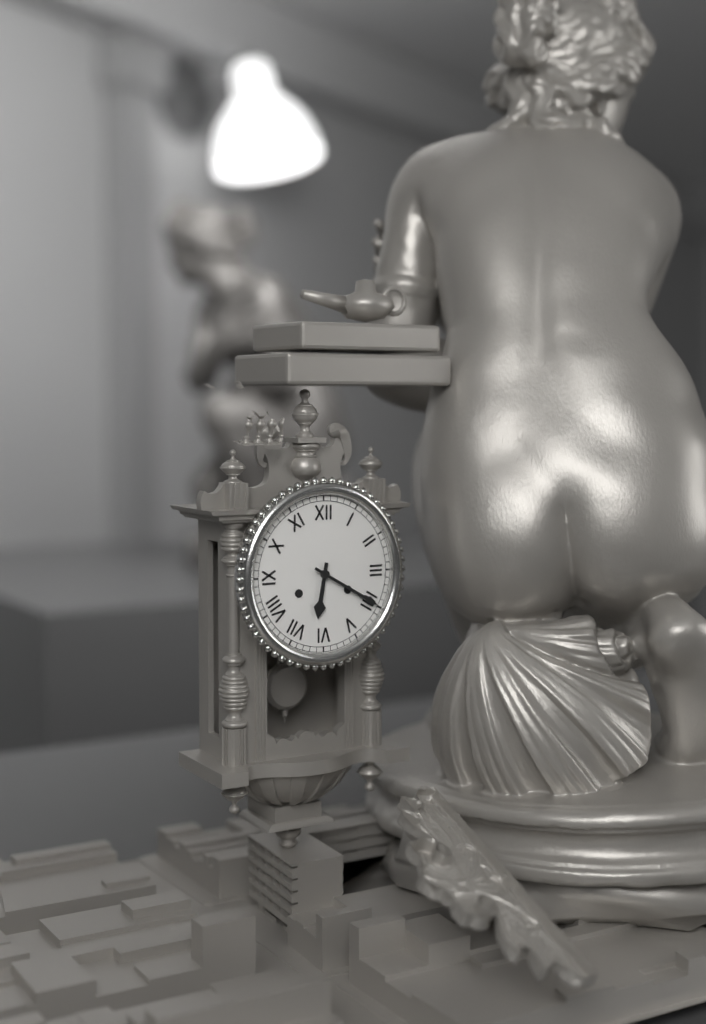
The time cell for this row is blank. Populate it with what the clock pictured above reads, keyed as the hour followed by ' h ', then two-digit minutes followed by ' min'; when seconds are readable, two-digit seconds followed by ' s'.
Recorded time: 6 h 20 min
